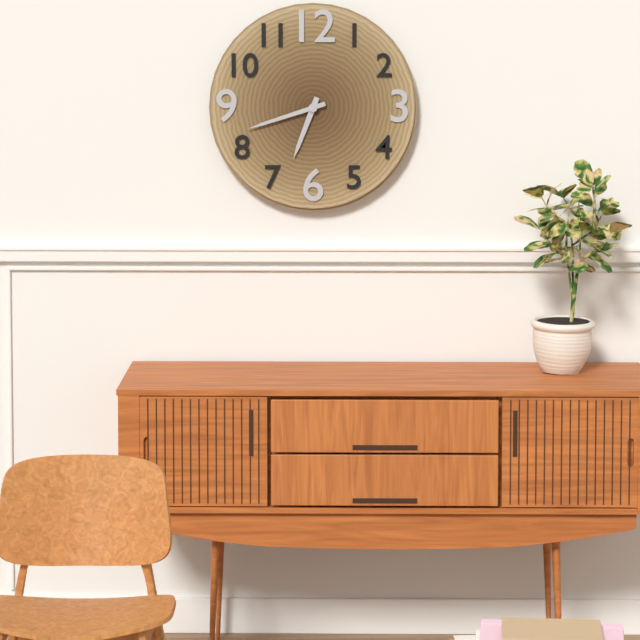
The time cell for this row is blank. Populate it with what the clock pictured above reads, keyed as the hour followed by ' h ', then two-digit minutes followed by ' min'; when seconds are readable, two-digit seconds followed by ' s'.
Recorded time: 6 h 42 min
